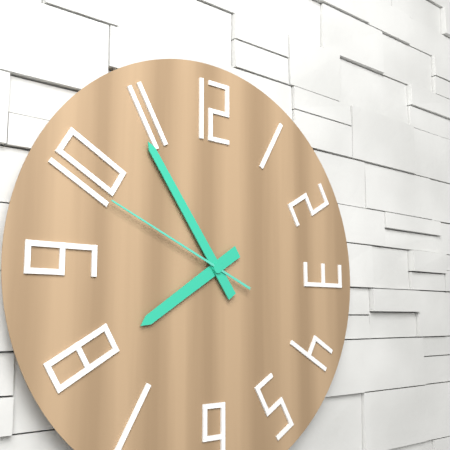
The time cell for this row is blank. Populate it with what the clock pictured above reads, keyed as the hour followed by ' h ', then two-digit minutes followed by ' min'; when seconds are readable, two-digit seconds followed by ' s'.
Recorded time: 7 h 54 min 49 s
